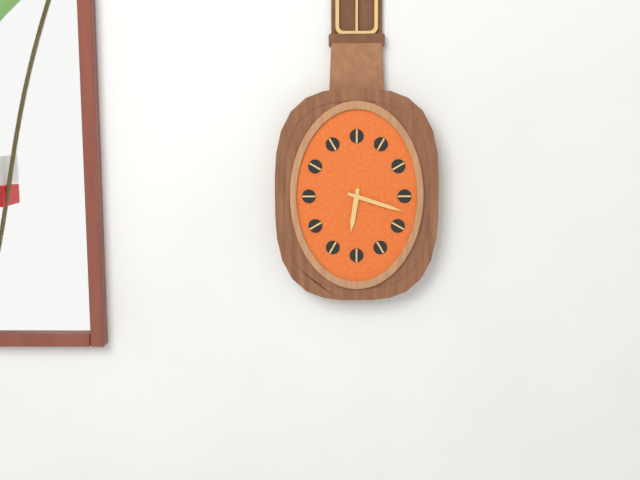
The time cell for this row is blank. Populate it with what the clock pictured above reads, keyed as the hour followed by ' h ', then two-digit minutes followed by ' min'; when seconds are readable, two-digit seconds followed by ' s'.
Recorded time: 6 h 18 min
